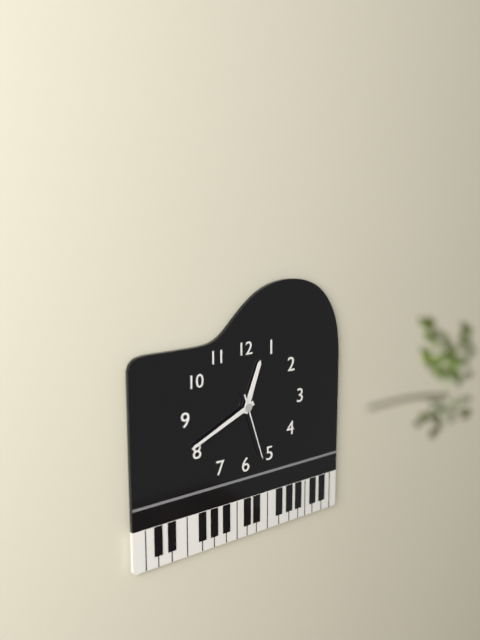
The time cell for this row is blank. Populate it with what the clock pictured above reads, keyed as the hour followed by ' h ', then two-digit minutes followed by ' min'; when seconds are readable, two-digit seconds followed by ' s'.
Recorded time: 12 h 41 min 27 s
